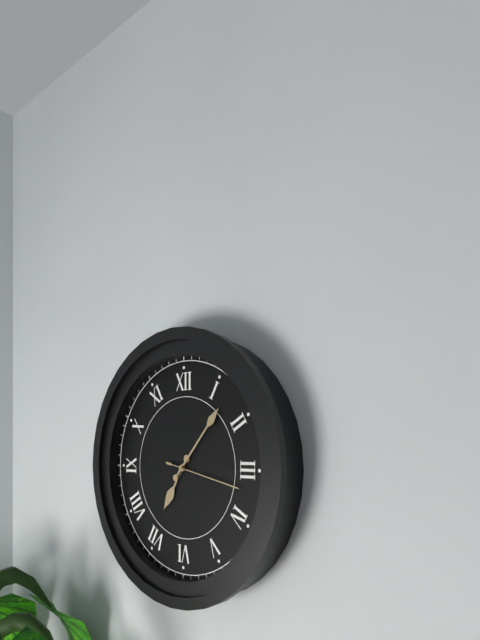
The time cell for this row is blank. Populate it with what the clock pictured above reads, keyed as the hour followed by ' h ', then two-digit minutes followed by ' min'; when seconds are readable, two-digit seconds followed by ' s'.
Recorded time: 7 h 07 min 17 s
